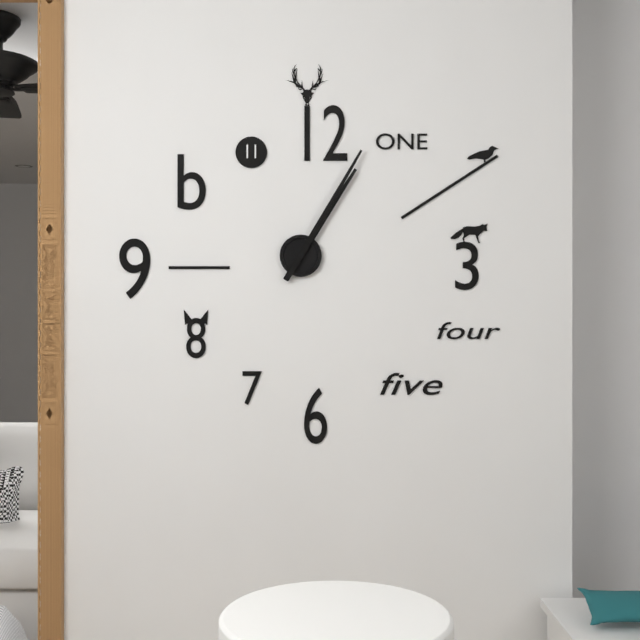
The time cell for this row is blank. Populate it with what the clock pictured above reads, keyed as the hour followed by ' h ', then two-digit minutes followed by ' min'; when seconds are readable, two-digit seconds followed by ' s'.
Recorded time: 1 h 05 min
